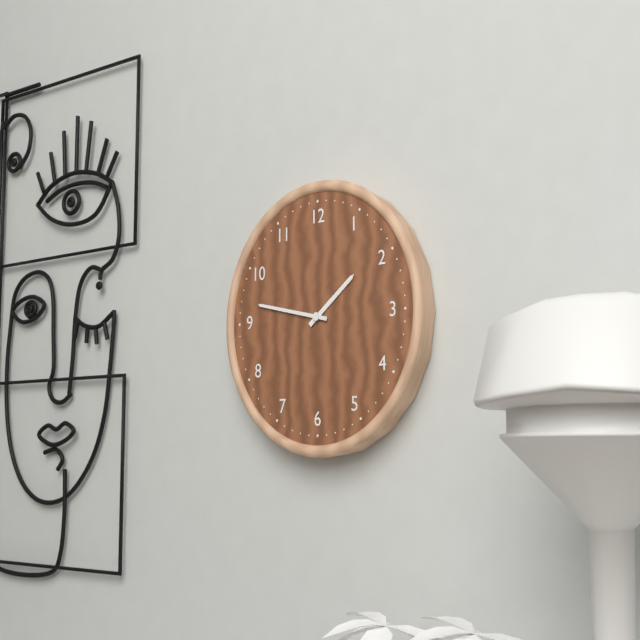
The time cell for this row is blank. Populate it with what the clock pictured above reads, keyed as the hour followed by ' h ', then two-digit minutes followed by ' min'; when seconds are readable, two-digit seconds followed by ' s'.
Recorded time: 1 h 47 min
